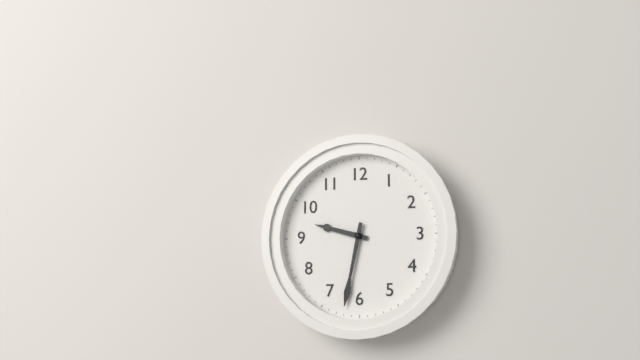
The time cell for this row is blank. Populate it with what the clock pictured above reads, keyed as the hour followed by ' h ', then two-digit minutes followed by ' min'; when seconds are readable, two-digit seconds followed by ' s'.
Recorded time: 9 h 32 min
